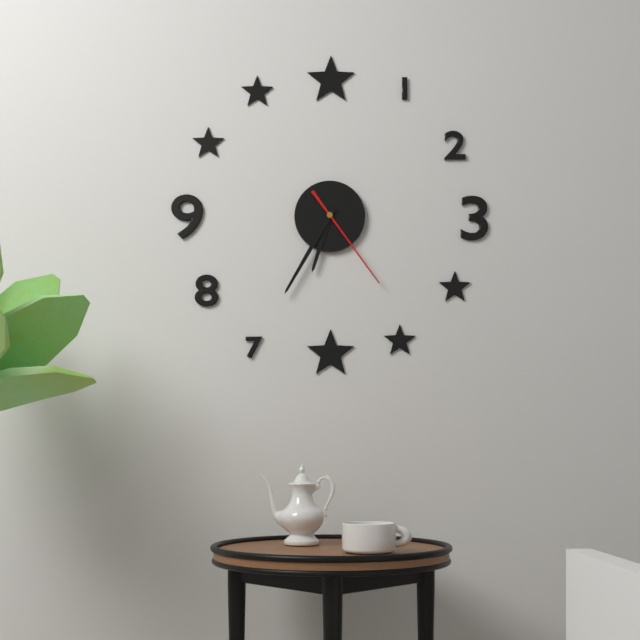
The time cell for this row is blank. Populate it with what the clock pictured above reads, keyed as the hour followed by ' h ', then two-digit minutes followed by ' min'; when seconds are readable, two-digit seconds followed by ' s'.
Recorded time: 6 h 35 min 24 s
